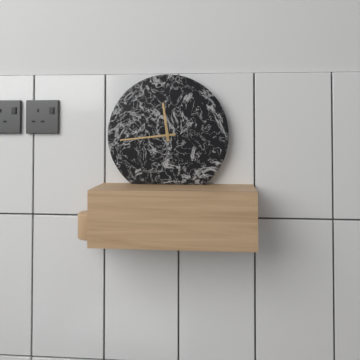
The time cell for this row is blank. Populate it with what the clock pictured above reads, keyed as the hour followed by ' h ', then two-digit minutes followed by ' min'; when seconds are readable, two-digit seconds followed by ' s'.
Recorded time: 11 h 44 min
